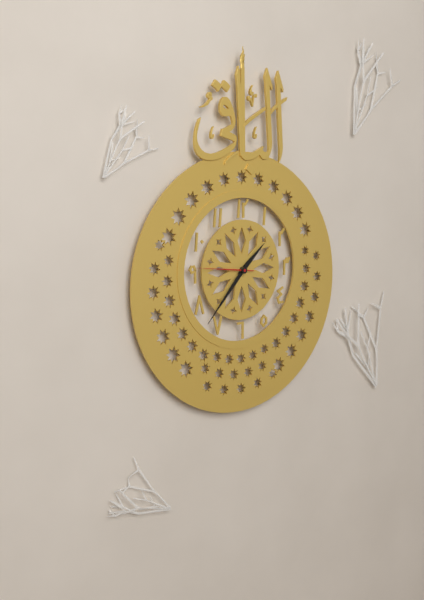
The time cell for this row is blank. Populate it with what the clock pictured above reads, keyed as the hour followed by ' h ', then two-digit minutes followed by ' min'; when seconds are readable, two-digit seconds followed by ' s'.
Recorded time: 1 h 37 min 46 s
